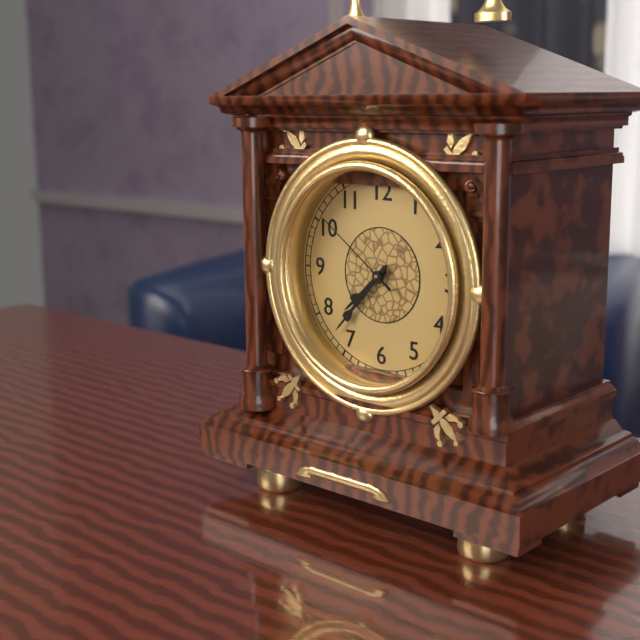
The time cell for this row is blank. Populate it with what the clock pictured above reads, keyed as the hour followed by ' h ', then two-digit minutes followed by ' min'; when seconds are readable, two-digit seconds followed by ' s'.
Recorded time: 7 h 37 min 51 s
